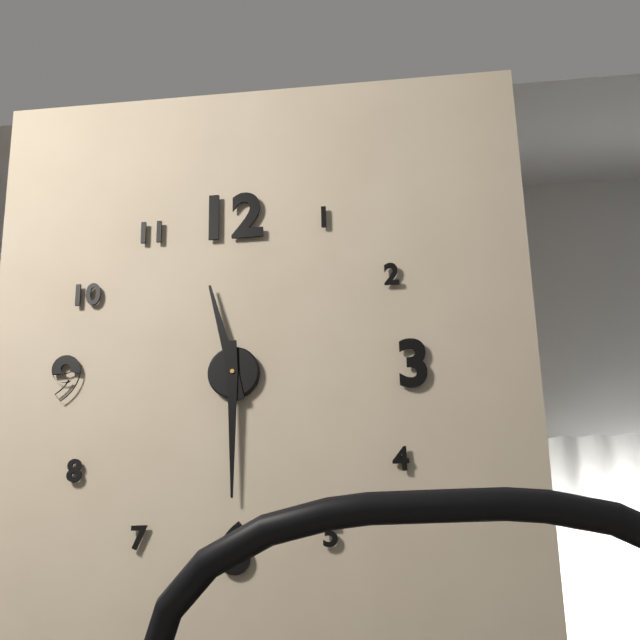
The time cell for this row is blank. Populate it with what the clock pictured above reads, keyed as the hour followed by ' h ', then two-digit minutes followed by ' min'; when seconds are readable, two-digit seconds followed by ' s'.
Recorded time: 11 h 30 min
